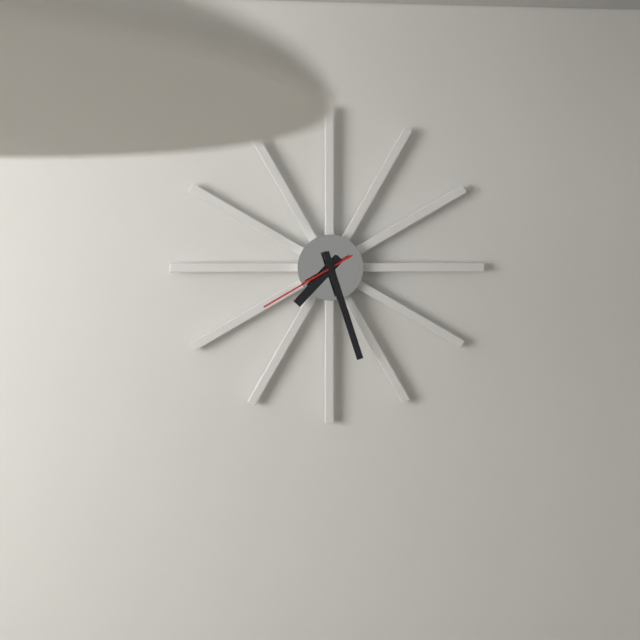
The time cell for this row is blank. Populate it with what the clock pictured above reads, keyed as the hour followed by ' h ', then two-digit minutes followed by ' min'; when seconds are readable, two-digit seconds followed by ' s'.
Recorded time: 7 h 27 min 40 s
